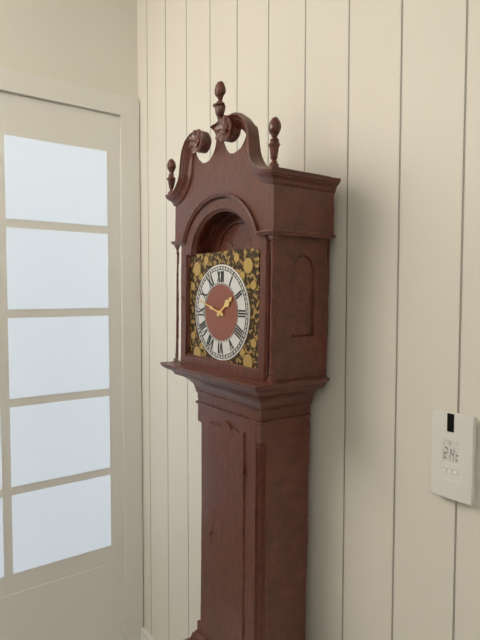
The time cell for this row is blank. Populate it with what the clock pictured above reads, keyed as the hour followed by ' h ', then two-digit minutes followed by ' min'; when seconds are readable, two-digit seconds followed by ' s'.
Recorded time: 1 h 48 min
